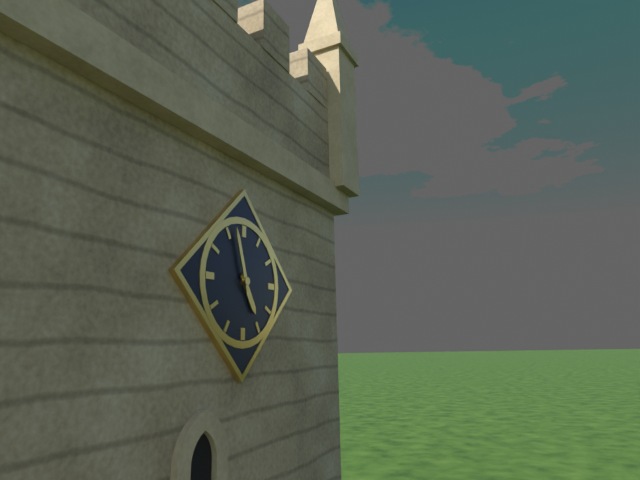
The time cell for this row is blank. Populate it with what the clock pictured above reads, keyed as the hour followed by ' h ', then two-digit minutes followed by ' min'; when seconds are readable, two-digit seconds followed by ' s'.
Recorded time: 4 h 57 min
